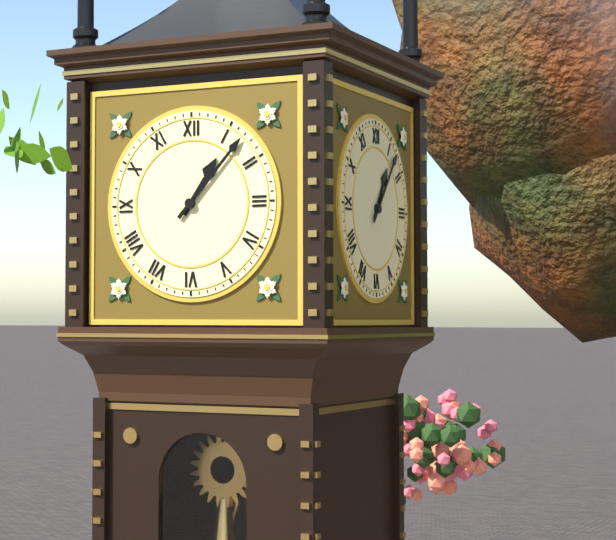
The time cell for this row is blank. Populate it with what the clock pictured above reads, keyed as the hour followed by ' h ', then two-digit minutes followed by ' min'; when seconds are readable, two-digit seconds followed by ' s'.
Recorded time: 1 h 07 min
